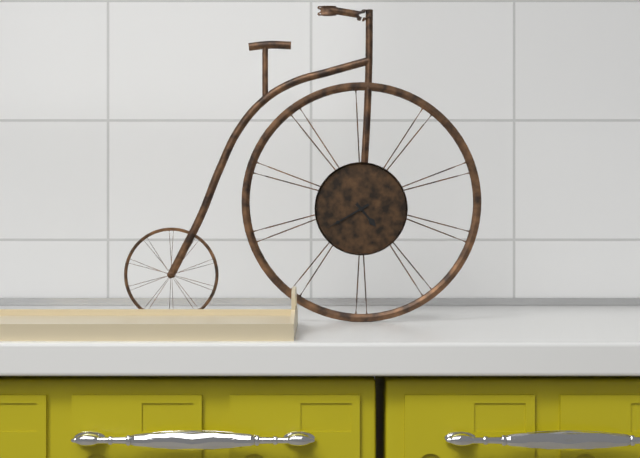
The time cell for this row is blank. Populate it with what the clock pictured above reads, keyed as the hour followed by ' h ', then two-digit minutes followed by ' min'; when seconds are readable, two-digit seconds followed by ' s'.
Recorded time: 4 h 40 min
